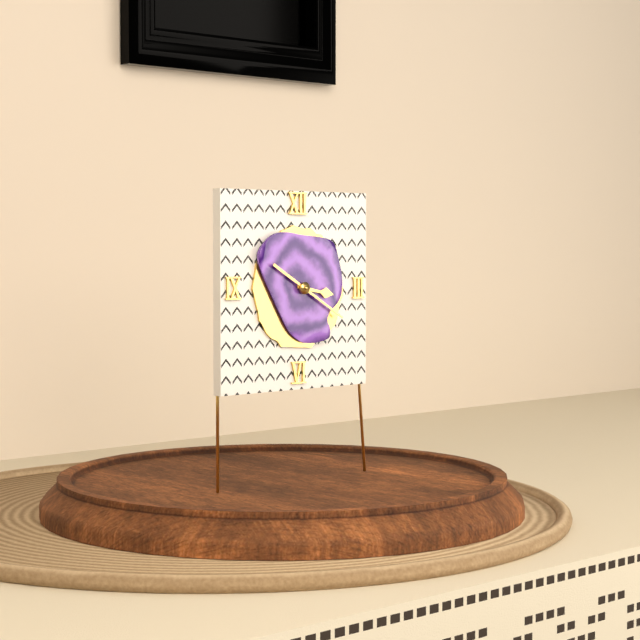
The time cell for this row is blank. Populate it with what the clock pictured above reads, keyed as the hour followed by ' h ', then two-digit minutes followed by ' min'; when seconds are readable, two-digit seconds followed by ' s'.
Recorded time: 3 h 20 min
